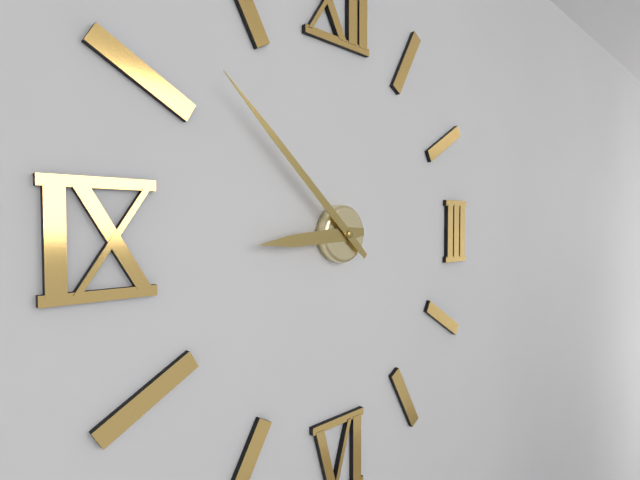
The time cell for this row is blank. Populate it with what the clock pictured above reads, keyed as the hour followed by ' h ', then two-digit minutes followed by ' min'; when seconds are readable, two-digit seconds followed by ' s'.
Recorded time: 8 h 52 min
